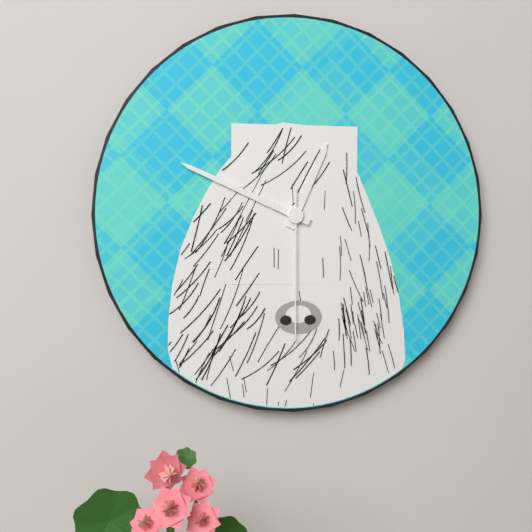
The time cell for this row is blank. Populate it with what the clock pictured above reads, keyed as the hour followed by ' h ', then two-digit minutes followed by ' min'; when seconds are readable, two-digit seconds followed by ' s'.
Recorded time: 12 h 49 min 30 s
